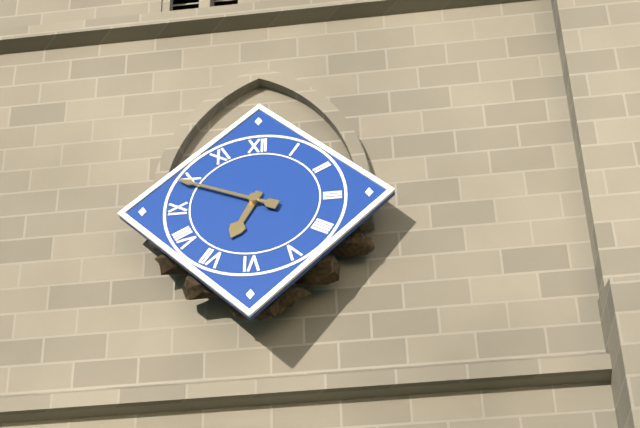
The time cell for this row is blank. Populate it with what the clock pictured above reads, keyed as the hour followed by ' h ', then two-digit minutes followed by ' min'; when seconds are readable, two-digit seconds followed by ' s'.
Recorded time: 6 h 49 min
